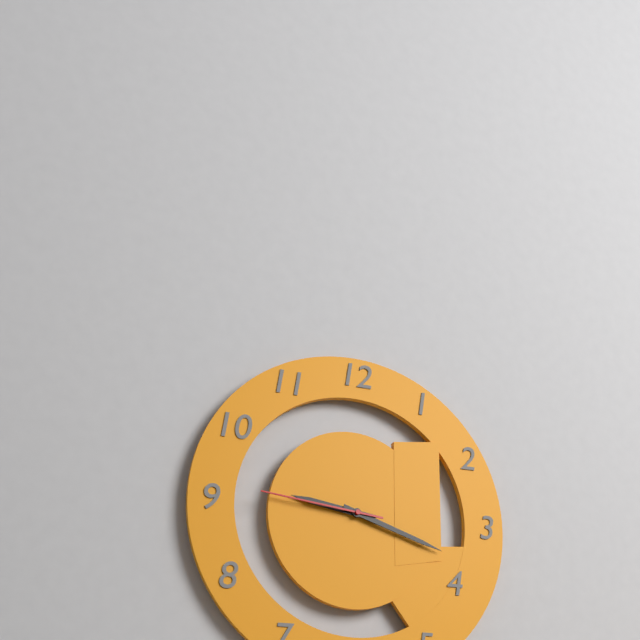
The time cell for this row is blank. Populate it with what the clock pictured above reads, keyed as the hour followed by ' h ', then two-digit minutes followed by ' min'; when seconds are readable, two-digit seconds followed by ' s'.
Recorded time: 9 h 18 min 46 s
